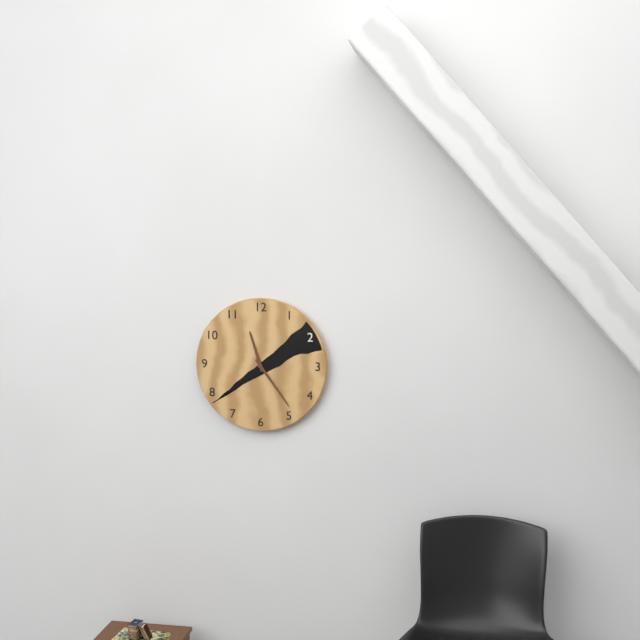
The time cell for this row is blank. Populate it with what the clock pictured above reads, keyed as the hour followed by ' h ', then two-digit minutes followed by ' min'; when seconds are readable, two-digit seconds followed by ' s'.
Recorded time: 11 h 24 min
